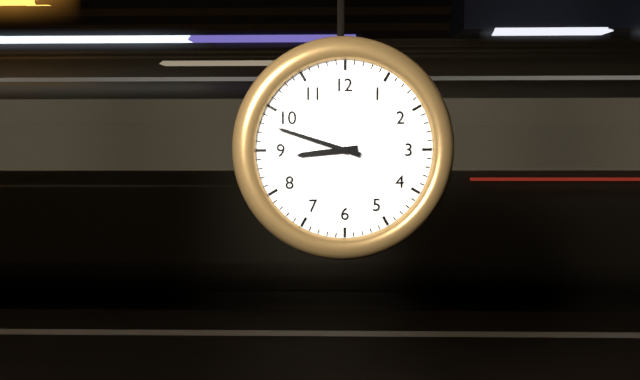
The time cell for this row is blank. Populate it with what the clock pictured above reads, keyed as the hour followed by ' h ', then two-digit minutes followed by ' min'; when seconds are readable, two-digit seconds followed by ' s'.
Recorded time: 8 h 48 min
